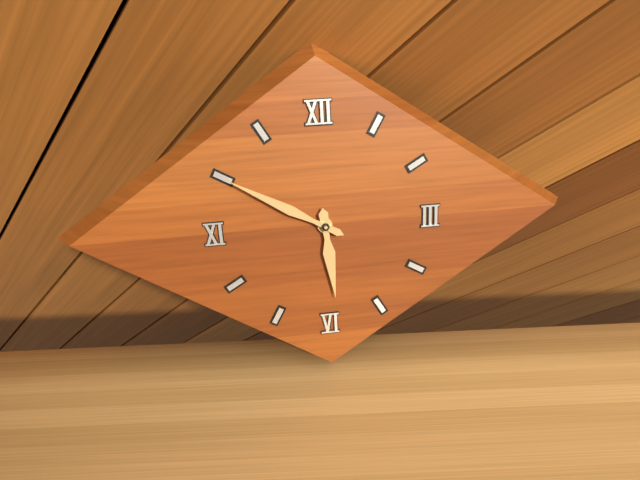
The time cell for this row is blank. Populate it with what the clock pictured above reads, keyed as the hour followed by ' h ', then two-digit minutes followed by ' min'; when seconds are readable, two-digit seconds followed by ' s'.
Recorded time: 5 h 50 min
